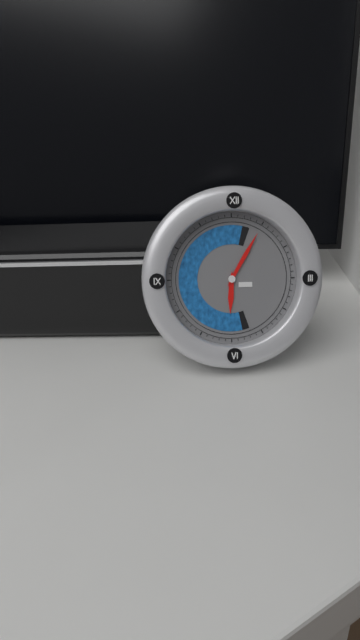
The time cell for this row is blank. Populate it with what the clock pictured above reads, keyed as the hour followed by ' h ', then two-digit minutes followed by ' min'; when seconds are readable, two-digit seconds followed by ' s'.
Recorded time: 6 h 05 min
